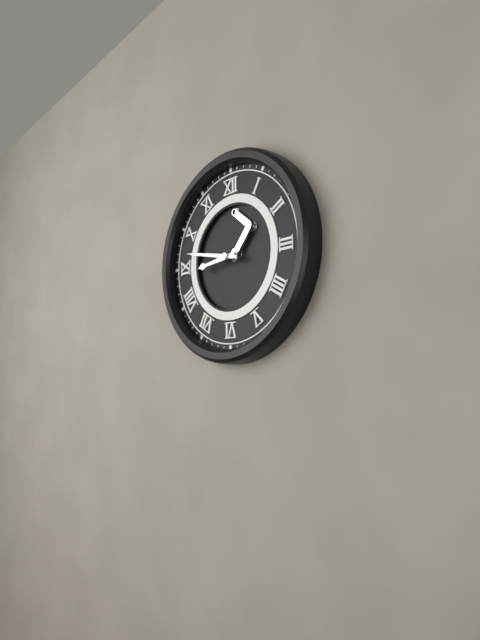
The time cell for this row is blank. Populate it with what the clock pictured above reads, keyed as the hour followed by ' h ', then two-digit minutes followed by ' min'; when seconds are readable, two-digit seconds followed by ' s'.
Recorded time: 8 h 47 min
